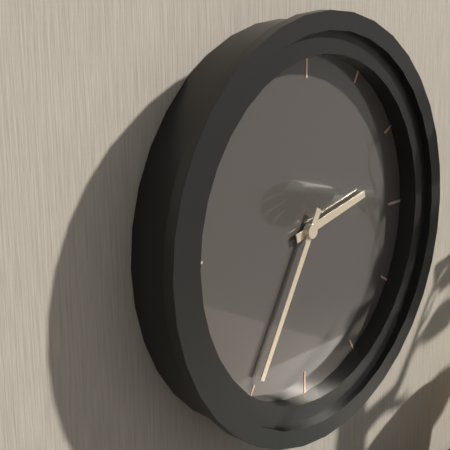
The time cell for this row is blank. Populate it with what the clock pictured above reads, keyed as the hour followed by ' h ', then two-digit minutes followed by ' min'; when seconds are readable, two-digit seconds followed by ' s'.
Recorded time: 2 h 35 min
